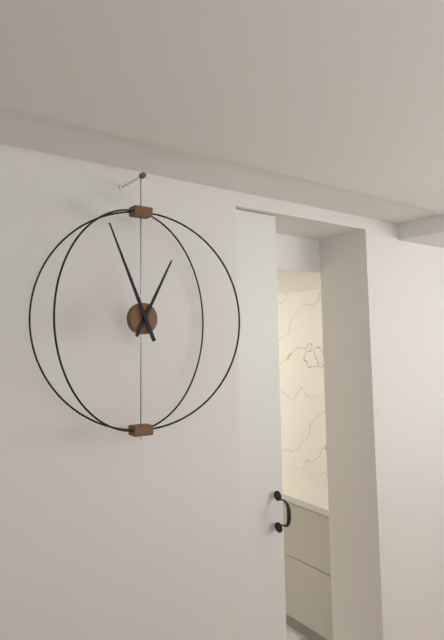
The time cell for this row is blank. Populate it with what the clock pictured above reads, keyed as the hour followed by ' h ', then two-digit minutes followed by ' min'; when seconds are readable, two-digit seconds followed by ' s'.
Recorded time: 12 h 56 min
